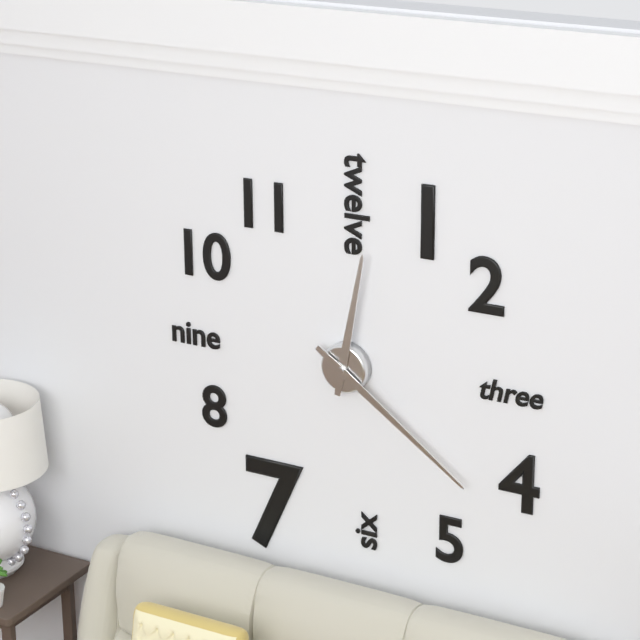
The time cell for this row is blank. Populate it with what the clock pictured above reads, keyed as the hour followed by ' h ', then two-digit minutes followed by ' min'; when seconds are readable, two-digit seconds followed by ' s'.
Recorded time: 12 h 21 min
